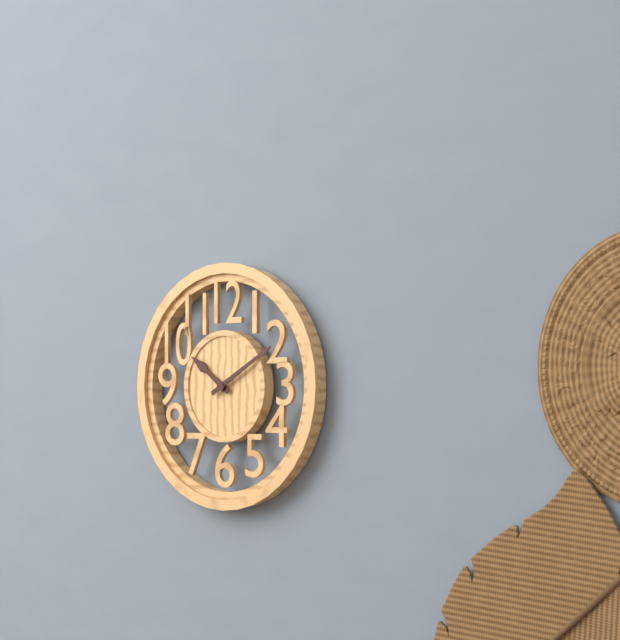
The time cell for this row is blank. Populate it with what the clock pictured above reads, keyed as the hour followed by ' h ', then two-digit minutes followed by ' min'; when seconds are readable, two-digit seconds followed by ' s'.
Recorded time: 10 h 10 min
